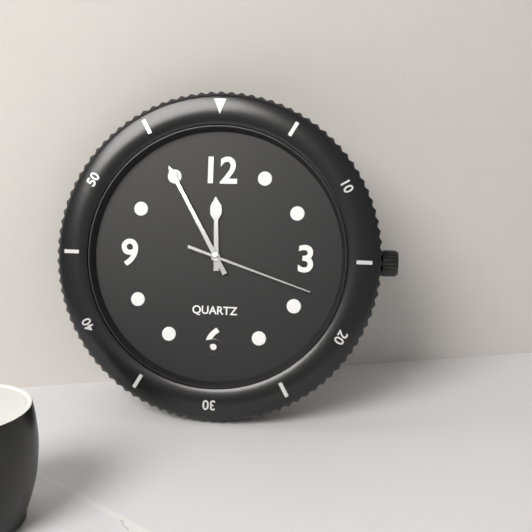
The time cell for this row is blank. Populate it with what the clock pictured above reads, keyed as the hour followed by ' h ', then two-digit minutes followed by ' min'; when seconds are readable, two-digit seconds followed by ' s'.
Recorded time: 11 h 55 min 18 s
